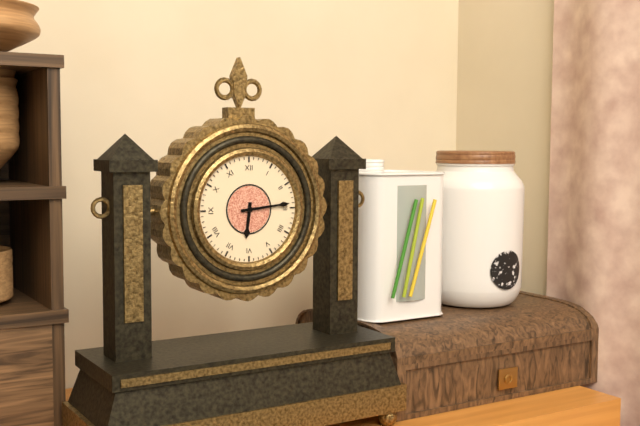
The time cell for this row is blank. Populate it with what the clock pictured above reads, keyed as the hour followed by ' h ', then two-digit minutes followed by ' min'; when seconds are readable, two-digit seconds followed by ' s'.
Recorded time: 6 h 14 min
